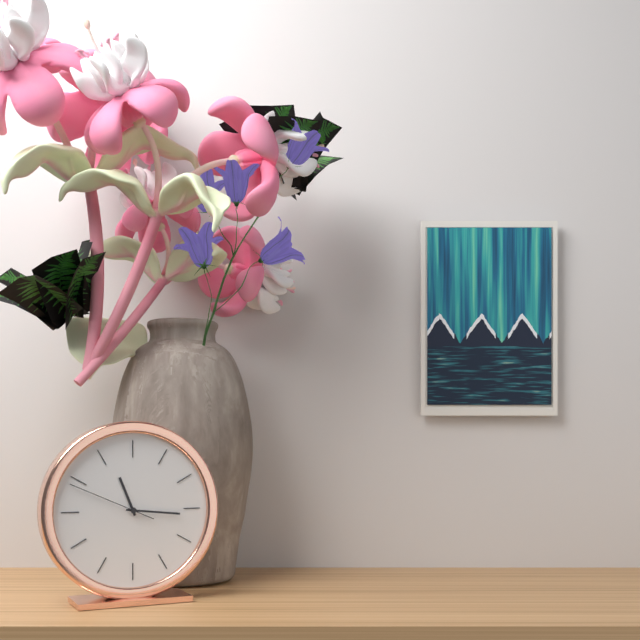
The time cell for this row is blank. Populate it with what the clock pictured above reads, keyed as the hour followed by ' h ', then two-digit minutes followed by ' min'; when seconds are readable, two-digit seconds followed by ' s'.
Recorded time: 11 h 16 min 49 s
